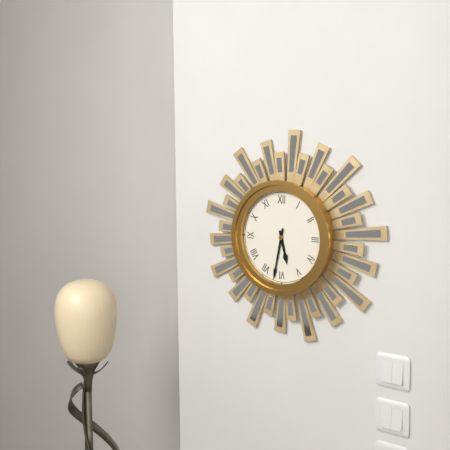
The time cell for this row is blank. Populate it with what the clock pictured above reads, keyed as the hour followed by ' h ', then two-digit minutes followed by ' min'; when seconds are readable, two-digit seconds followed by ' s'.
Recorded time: 5 h 32 min
